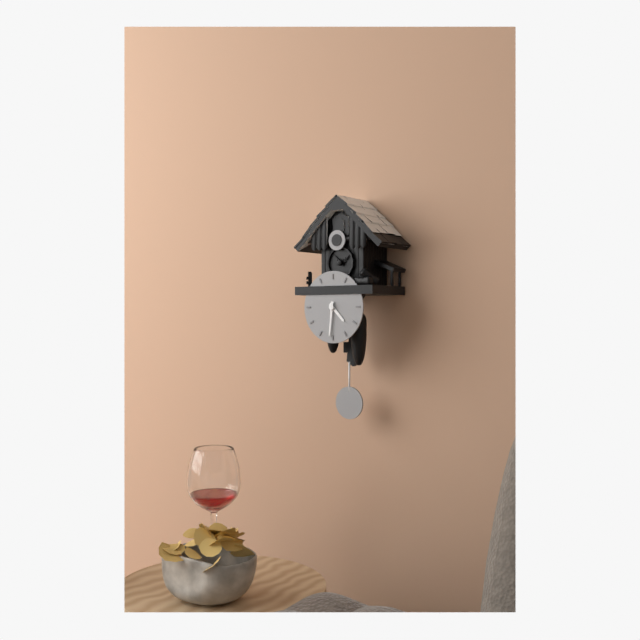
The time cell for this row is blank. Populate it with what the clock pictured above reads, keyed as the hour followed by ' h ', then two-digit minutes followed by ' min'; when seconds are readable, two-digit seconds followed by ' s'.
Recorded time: 4 h 31 min
